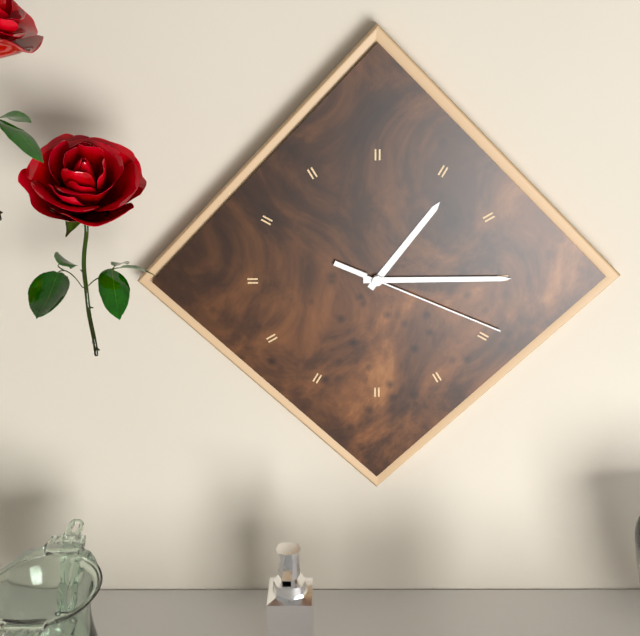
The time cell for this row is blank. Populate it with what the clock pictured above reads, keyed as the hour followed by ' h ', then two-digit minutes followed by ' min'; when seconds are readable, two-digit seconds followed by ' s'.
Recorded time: 1 h 15 min 19 s
